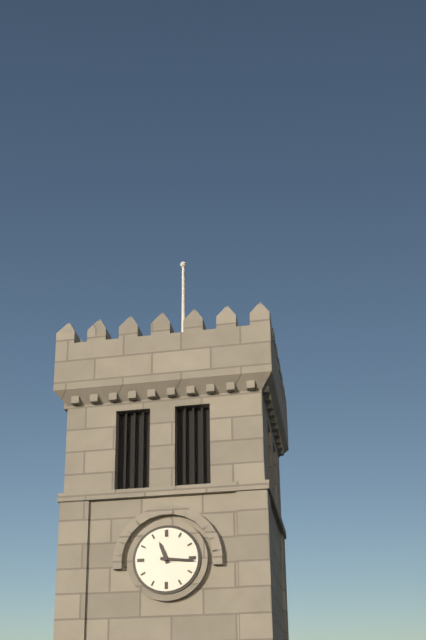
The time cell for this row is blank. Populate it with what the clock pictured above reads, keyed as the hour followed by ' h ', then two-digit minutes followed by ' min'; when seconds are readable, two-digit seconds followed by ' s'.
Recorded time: 11 h 16 min
